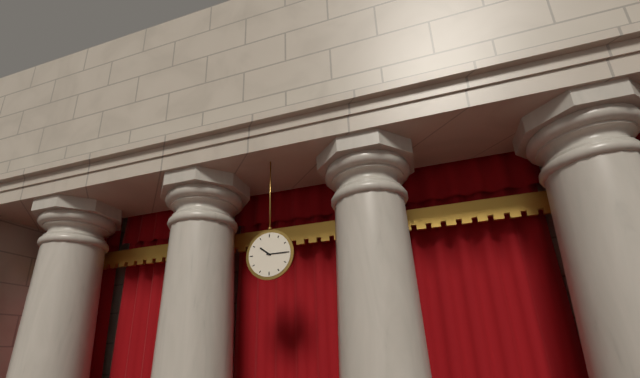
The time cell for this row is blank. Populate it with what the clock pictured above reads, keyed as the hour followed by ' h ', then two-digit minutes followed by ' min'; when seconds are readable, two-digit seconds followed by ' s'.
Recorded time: 10 h 15 min
